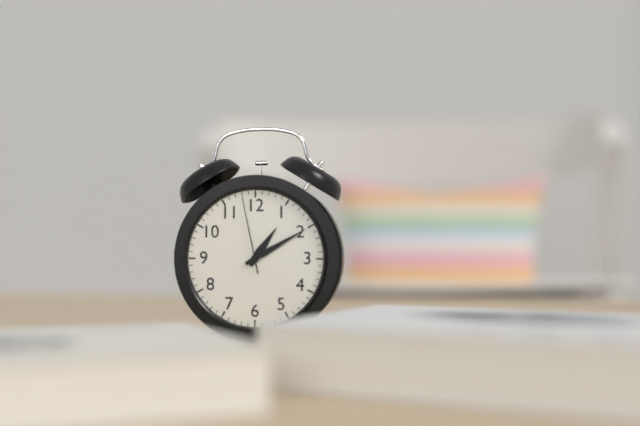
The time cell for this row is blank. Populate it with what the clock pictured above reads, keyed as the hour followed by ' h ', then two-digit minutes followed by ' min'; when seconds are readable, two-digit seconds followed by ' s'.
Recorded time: 1 h 10 min 58 s
